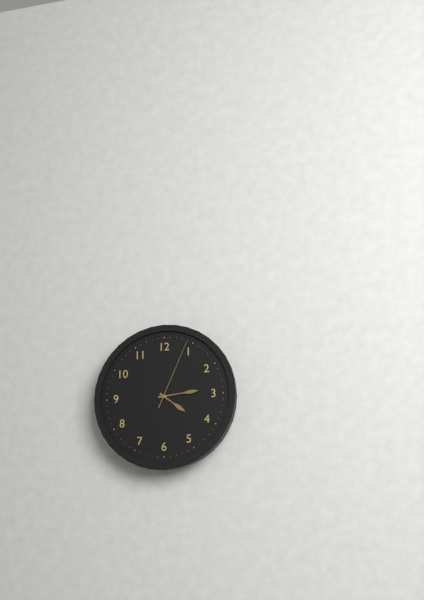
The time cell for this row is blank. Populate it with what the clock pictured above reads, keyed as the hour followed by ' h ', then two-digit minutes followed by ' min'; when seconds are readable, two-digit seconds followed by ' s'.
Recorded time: 4 h 14 min 04 s
